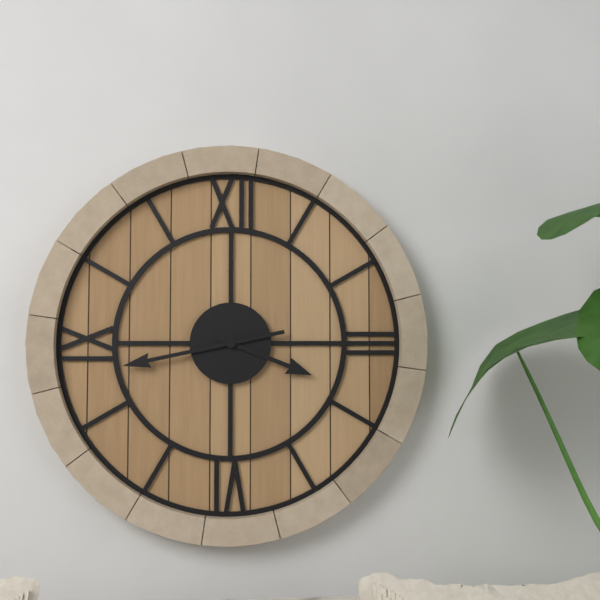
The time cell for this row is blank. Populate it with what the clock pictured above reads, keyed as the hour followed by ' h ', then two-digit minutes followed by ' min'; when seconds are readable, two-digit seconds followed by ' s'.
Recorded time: 3 h 43 min
